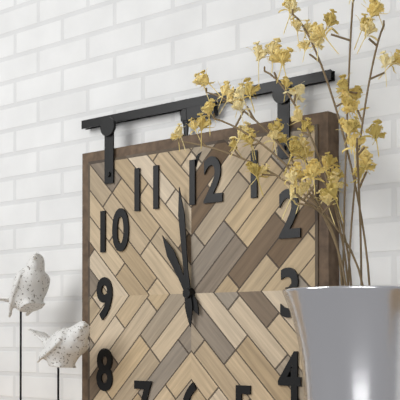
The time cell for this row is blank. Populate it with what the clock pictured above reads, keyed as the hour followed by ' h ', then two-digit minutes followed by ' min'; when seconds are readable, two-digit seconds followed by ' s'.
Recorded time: 10 h 59 min
